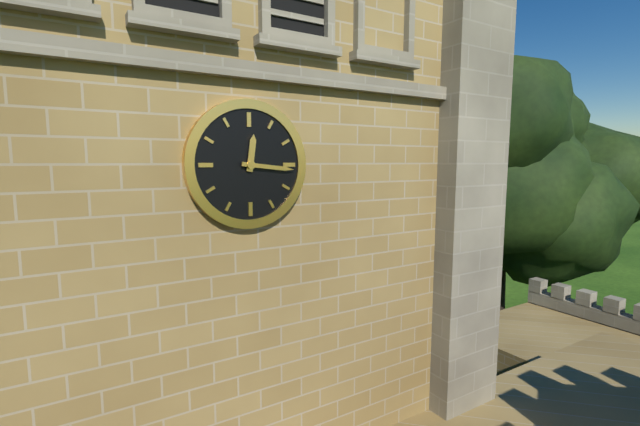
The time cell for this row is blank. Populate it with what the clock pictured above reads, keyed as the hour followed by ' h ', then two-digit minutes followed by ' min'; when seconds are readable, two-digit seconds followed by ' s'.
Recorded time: 12 h 16 min
